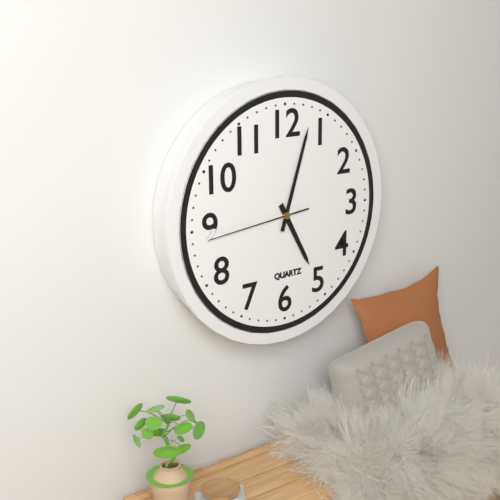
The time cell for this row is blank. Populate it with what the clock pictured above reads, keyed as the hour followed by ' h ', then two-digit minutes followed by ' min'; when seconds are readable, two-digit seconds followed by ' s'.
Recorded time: 5 h 03 min 44 s
